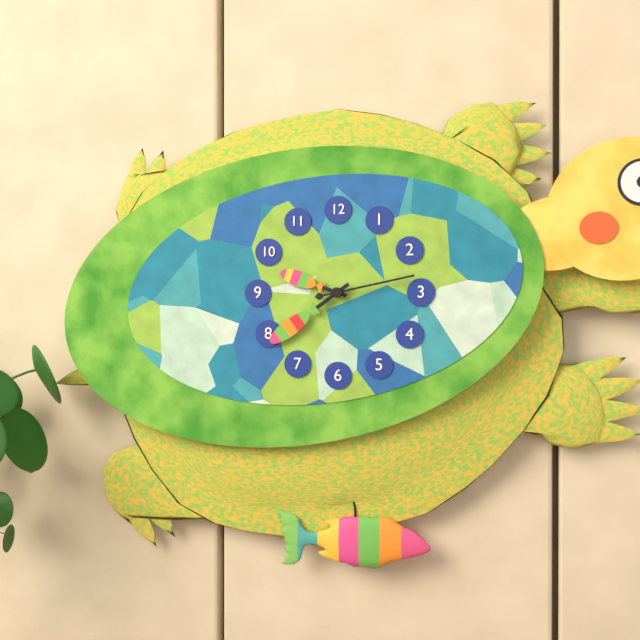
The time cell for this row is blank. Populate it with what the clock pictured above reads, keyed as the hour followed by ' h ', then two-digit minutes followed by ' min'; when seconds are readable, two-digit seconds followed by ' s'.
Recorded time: 9 h 39 min 13 s
